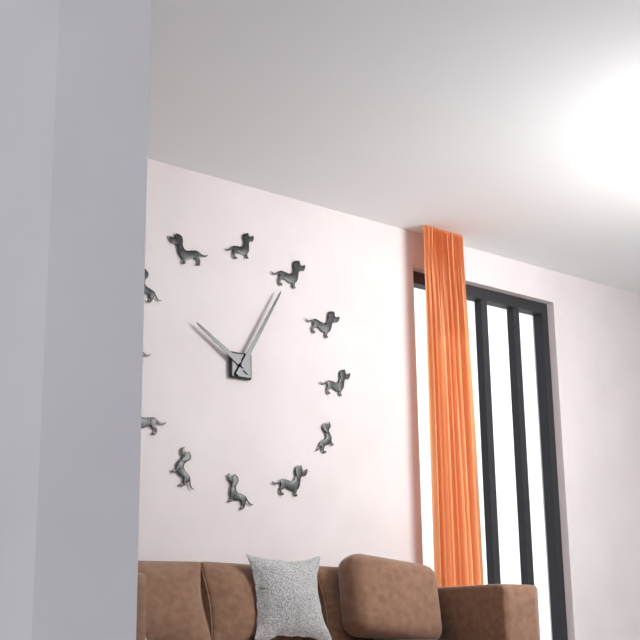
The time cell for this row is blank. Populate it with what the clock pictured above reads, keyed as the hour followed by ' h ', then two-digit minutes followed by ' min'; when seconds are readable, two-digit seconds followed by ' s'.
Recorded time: 10 h 05 min
